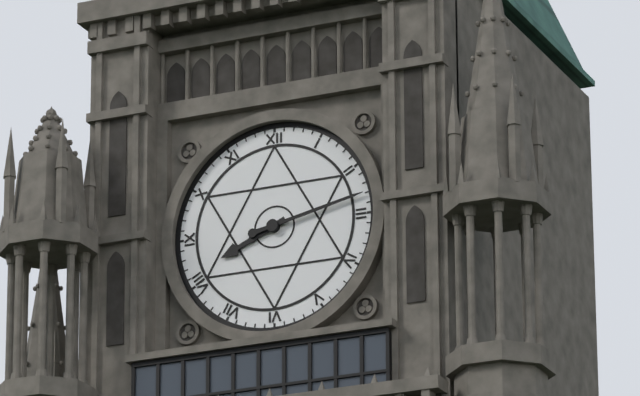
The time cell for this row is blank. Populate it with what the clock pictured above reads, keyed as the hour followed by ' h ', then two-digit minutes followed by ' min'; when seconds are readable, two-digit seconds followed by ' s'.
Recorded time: 8 h 13 min
